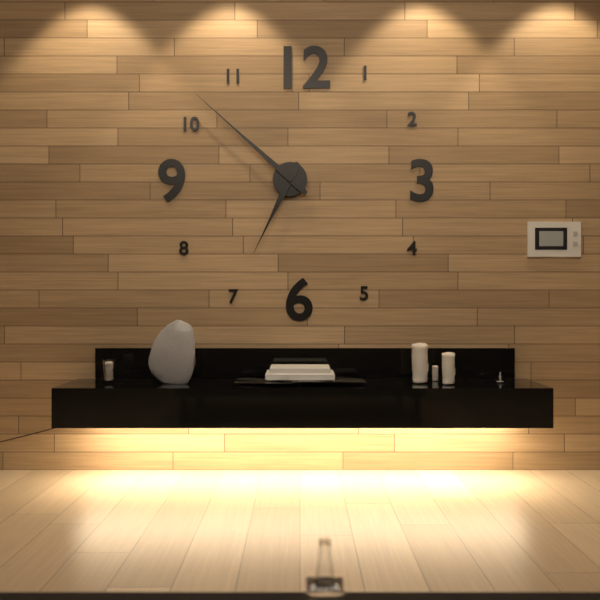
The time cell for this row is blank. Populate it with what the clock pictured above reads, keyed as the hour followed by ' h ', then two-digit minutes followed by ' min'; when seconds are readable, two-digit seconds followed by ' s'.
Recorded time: 6 h 52 min
